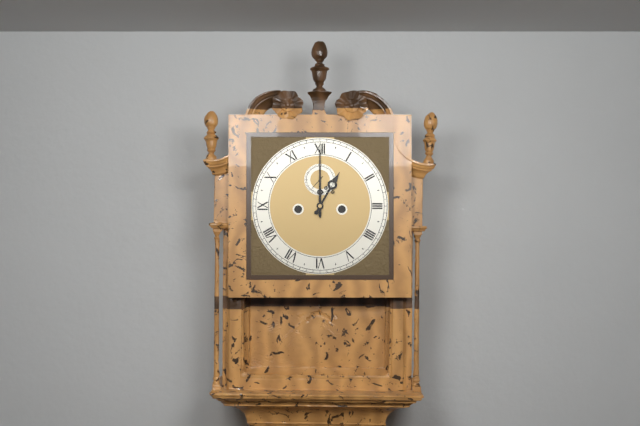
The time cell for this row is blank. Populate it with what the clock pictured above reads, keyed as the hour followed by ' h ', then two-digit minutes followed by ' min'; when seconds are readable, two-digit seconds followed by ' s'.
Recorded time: 1 h 00 min
